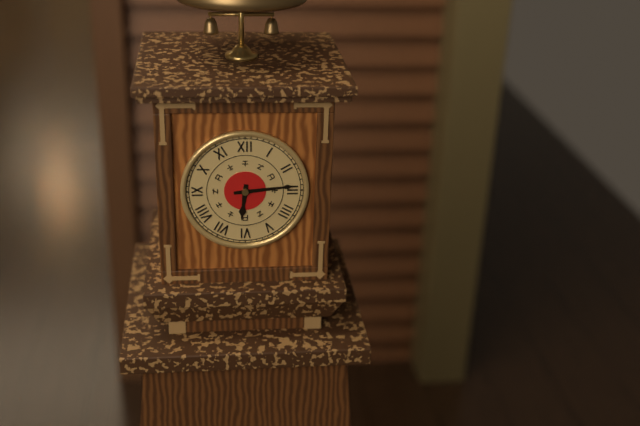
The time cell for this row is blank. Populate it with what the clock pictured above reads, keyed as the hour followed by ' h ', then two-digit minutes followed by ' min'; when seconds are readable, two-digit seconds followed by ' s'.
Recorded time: 6 h 14 min
